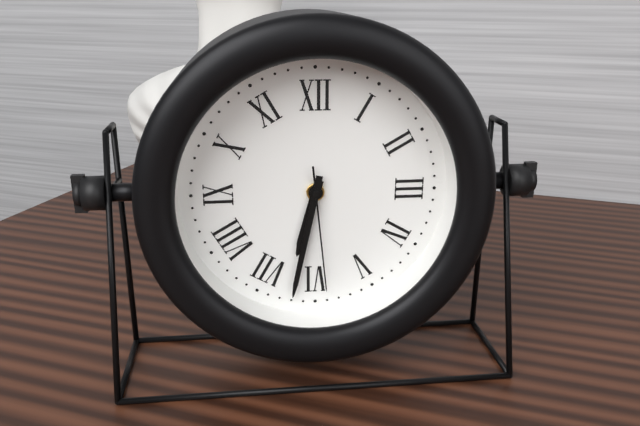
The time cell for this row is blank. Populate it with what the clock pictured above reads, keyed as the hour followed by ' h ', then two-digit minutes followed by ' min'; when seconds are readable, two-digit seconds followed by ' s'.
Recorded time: 6 h 32 min 29 s
